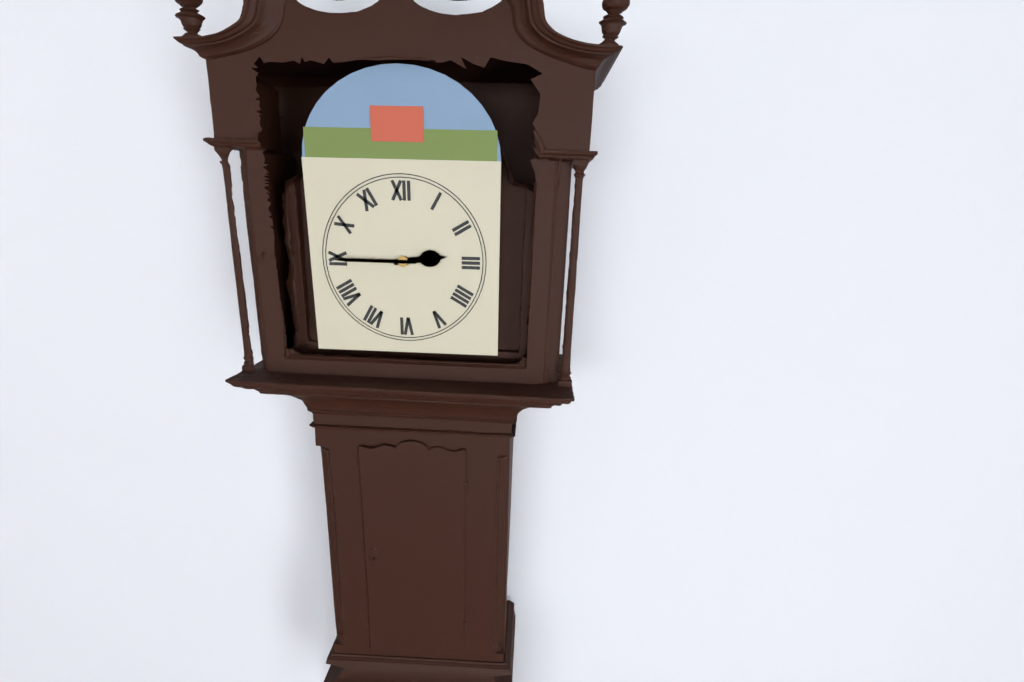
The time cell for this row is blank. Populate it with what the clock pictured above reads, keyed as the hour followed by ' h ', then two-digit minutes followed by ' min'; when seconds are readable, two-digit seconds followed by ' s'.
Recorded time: 2 h 45 min
